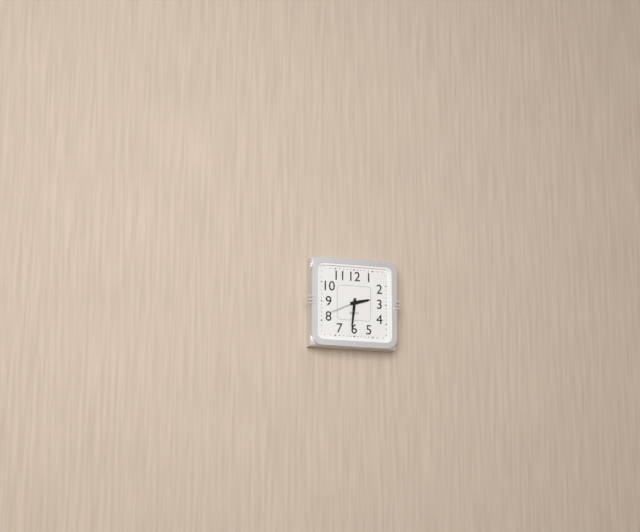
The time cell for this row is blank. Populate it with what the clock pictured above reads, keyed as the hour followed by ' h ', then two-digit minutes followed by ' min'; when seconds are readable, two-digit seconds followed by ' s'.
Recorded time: 2 h 31 min
